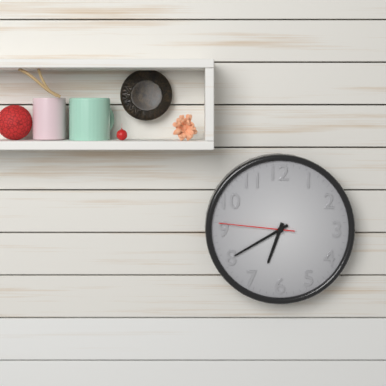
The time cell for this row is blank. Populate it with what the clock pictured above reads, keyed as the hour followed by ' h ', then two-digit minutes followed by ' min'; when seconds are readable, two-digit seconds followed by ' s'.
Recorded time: 6 h 40 min 46 s
